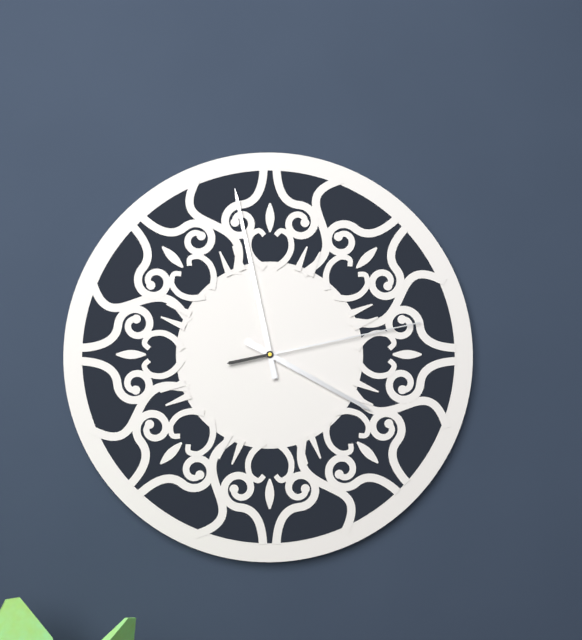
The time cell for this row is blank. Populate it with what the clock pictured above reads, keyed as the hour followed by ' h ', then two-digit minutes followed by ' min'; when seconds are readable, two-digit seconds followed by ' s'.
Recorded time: 3 h 58 min 13 s
